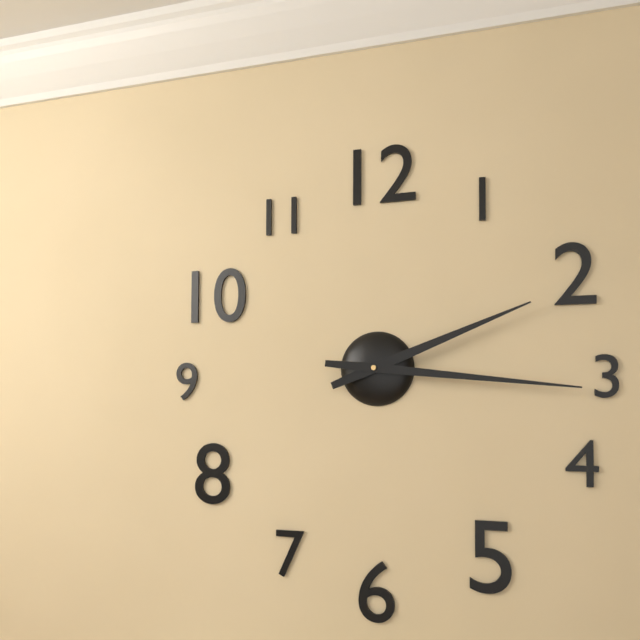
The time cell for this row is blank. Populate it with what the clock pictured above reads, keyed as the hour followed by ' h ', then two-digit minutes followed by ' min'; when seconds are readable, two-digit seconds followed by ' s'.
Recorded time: 2 h 16 min
